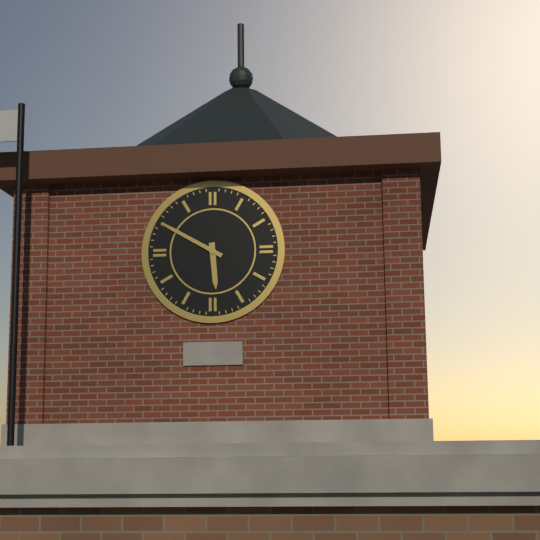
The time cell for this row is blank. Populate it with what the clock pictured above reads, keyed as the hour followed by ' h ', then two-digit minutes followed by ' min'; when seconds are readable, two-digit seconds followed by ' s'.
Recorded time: 5 h 50 min
